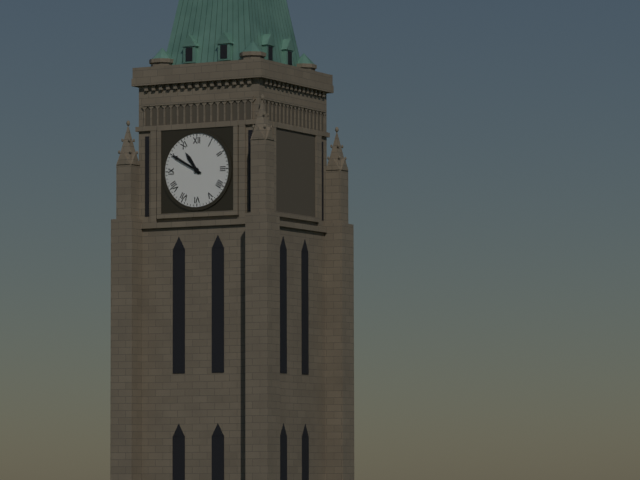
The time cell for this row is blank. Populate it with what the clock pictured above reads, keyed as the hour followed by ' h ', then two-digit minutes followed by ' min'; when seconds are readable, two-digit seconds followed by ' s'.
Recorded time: 10 h 50 min
